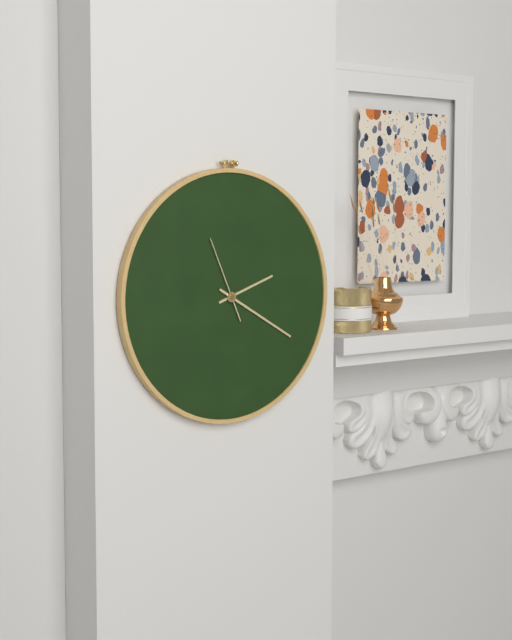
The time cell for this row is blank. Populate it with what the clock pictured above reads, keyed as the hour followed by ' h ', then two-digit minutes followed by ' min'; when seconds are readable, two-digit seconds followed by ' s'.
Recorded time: 2 h 20 min 56 s
